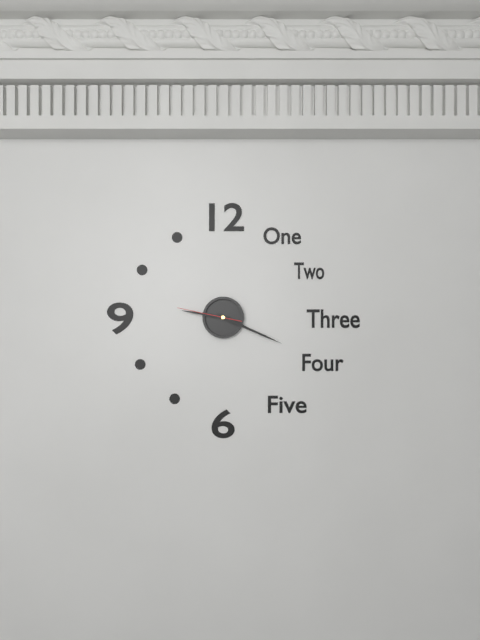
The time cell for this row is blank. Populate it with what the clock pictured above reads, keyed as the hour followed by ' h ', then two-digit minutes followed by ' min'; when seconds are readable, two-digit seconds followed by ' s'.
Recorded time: 9 h 19 min 47 s
